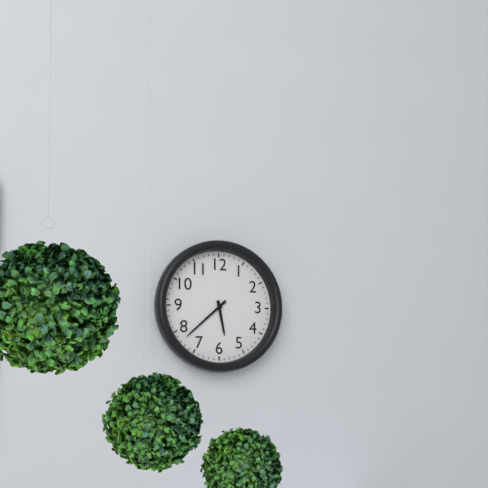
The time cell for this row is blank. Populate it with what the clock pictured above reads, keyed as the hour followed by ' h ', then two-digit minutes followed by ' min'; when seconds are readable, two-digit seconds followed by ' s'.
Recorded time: 5 h 38 min
